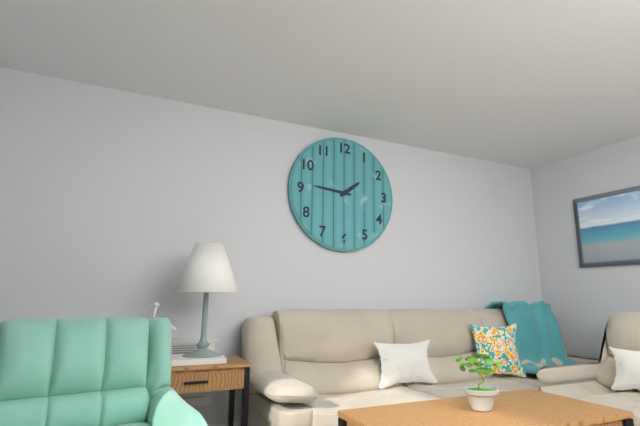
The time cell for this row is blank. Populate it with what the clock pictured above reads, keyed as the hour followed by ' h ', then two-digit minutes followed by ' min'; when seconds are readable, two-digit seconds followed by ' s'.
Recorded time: 1 h 46 min
